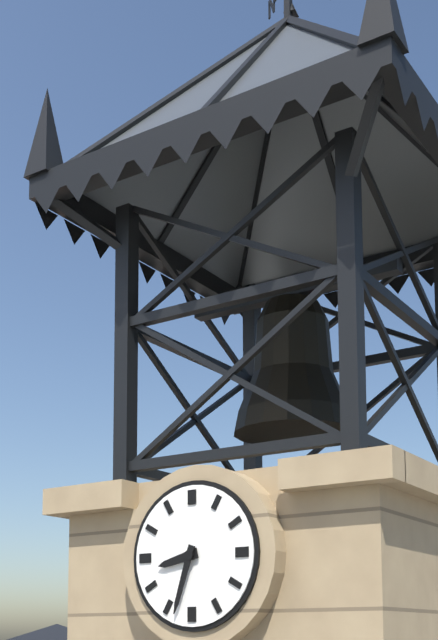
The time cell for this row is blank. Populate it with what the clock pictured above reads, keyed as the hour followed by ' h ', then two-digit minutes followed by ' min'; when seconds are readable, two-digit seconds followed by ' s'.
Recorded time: 8 h 33 min
